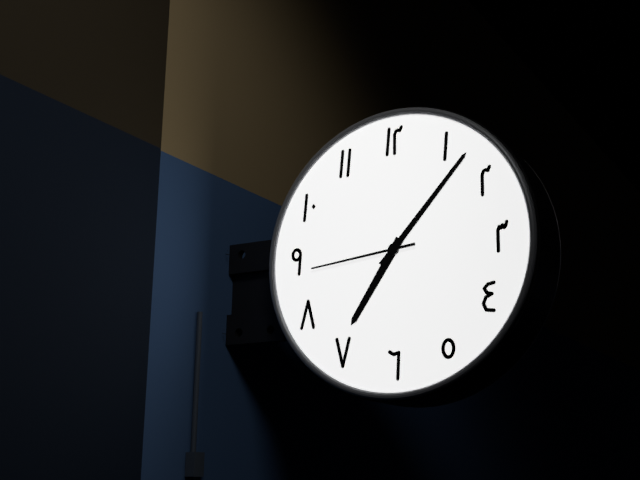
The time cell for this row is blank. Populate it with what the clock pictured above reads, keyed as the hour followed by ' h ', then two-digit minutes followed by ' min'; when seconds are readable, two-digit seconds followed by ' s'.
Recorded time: 7 h 07 min 44 s
